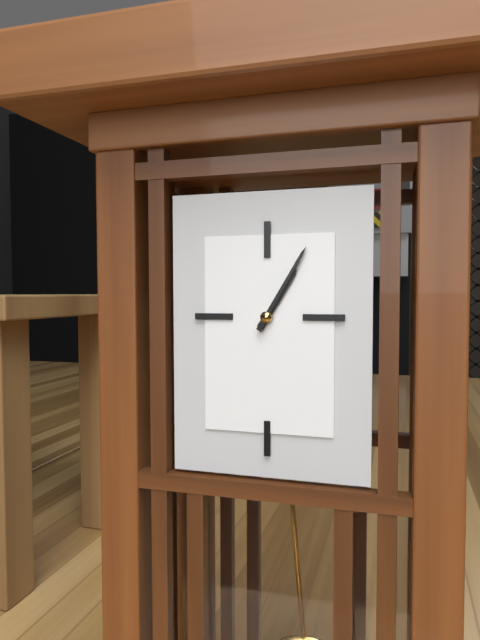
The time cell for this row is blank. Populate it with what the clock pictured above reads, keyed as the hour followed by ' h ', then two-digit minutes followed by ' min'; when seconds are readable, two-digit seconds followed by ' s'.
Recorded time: 1 h 05 min
